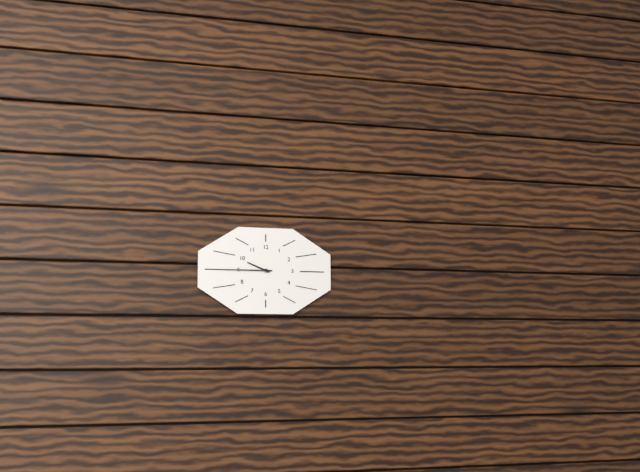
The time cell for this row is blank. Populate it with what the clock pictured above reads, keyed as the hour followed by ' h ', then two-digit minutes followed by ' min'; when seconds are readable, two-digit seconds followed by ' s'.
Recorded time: 9 h 45 min
